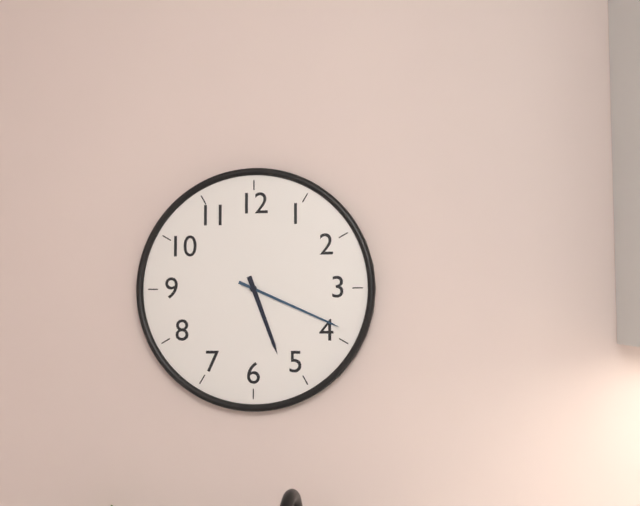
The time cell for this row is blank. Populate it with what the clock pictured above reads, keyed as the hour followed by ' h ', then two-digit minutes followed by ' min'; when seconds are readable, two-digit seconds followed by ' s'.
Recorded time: 5 h 19 min
